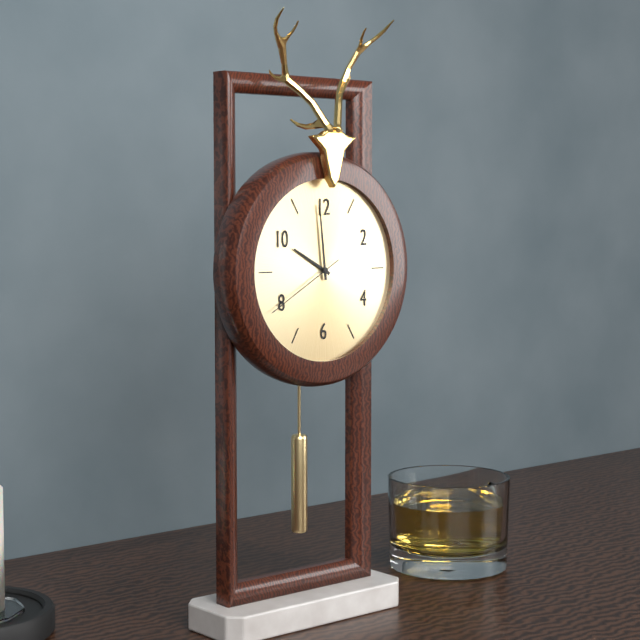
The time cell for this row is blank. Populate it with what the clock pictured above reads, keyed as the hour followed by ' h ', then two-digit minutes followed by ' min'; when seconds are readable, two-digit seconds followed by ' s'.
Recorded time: 9 h 59 min 40 s
